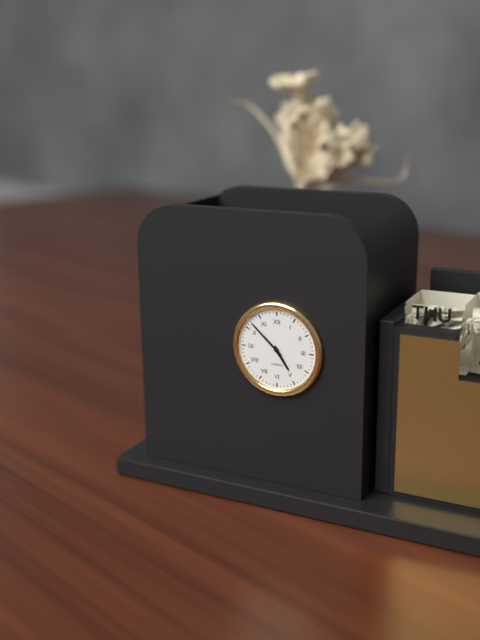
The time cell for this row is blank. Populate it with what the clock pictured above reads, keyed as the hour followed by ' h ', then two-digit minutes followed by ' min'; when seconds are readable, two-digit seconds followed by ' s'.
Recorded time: 4 h 52 min
